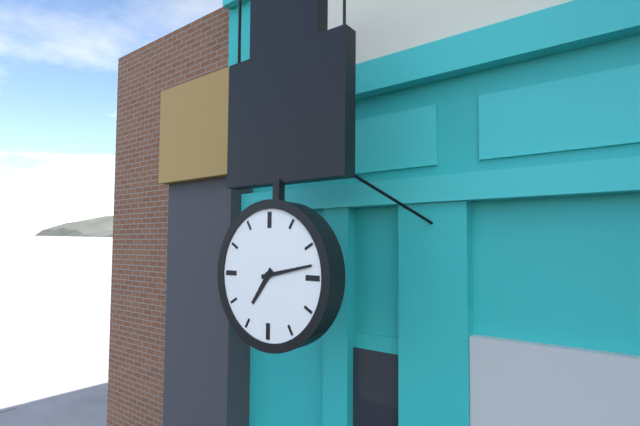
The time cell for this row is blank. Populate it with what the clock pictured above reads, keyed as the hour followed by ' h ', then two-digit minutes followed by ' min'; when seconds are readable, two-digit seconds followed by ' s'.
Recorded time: 7 h 13 min
